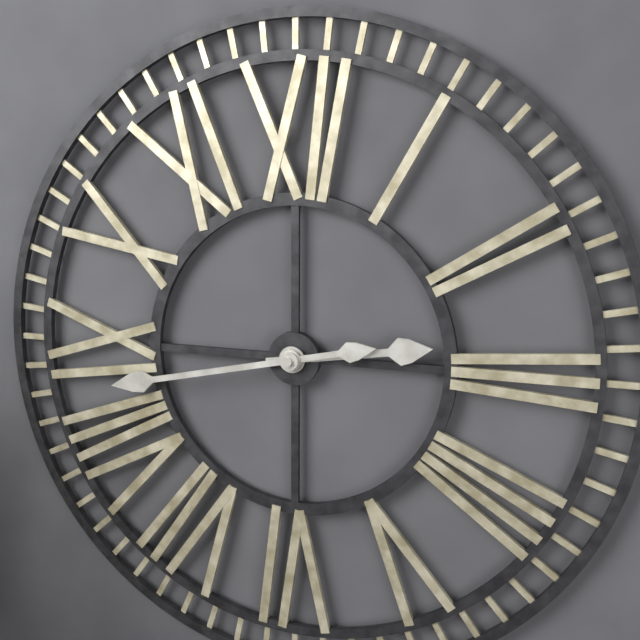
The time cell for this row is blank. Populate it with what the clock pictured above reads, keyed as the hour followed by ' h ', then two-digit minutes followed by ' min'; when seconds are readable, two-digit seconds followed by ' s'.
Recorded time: 2 h 43 min
